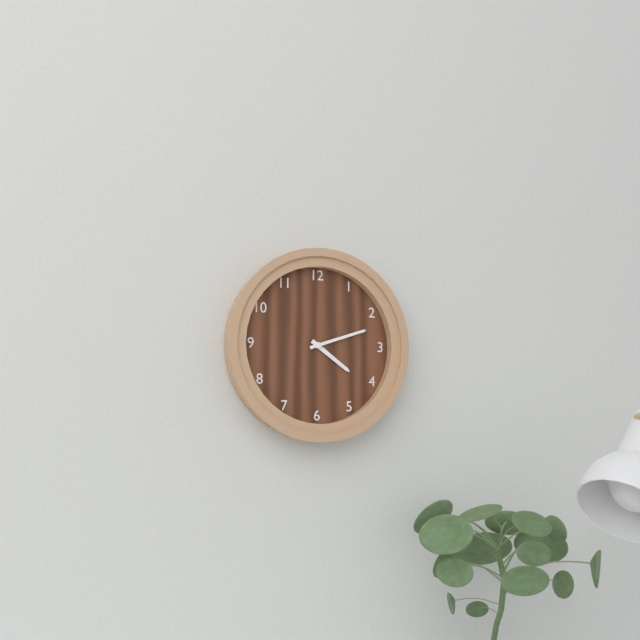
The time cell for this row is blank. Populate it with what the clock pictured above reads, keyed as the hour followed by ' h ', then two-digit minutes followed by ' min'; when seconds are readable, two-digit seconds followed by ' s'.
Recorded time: 4 h 12 min
